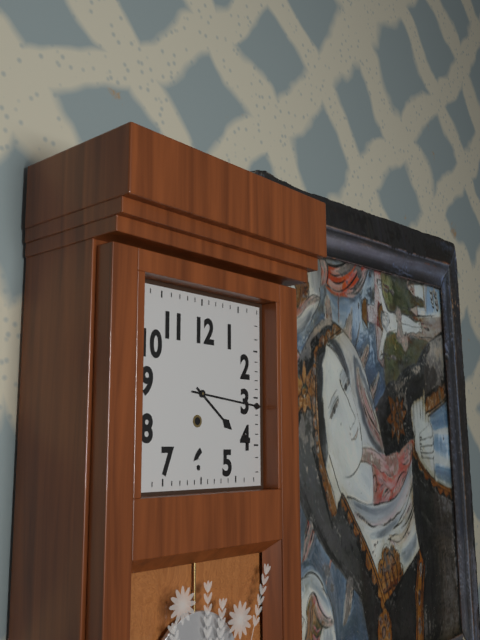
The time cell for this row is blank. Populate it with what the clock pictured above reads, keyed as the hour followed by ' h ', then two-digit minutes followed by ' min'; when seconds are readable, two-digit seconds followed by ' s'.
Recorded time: 4 h 16 min
